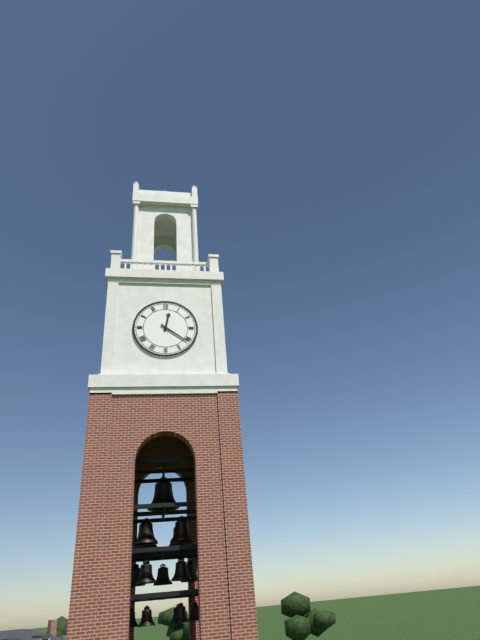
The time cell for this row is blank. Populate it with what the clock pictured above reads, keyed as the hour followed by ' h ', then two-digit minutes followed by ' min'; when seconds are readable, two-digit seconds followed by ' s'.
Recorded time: 12 h 21 min
